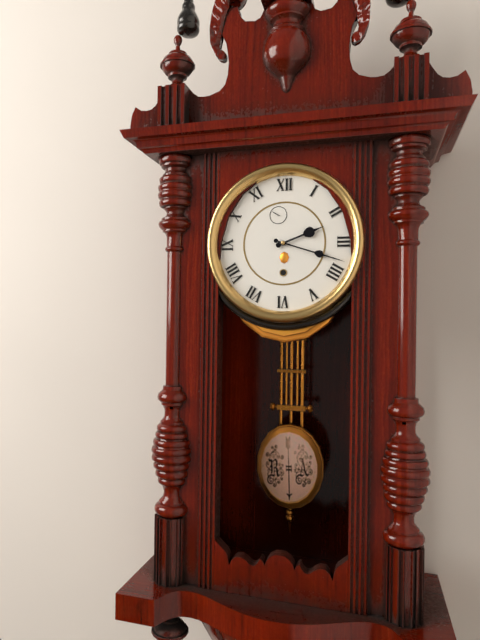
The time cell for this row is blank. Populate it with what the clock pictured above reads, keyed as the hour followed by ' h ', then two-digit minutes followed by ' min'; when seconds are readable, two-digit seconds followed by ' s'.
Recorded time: 2 h 18 min
